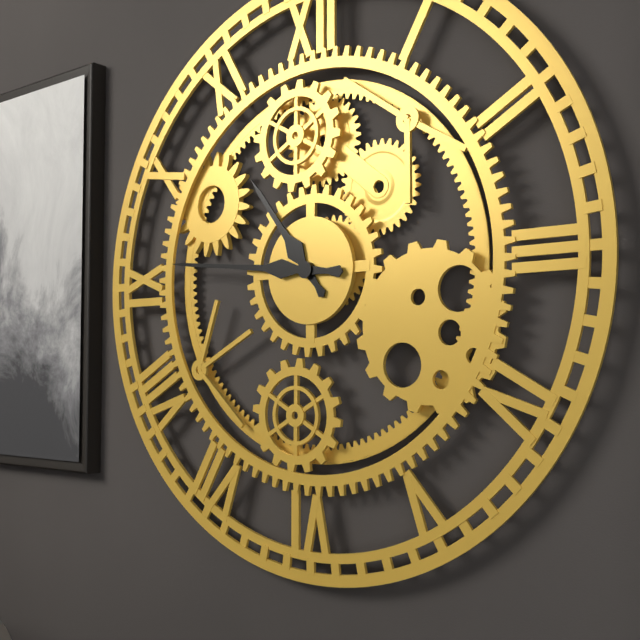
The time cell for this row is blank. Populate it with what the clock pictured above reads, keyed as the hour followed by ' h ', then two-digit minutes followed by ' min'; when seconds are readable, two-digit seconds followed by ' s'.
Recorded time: 10 h 46 min
